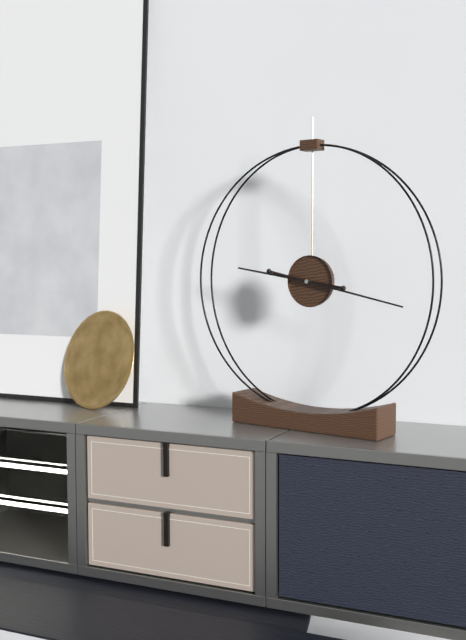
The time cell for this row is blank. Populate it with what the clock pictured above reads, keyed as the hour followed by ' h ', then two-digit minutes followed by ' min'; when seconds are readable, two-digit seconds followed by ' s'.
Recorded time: 9 h 17 min
